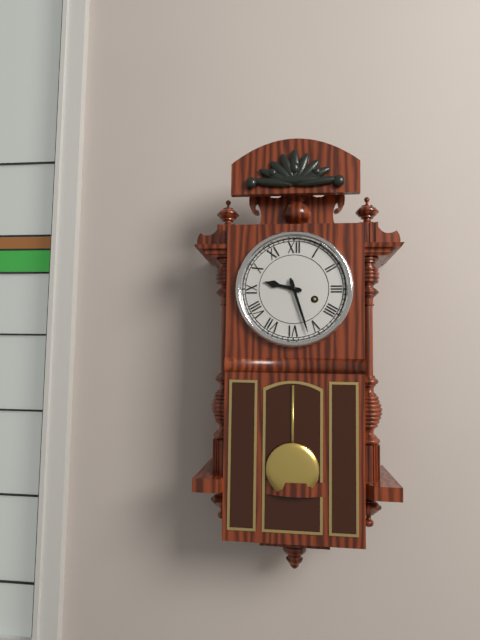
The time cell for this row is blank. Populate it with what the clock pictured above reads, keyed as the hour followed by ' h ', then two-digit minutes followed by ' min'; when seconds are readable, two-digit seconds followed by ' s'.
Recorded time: 9 h 27 min
